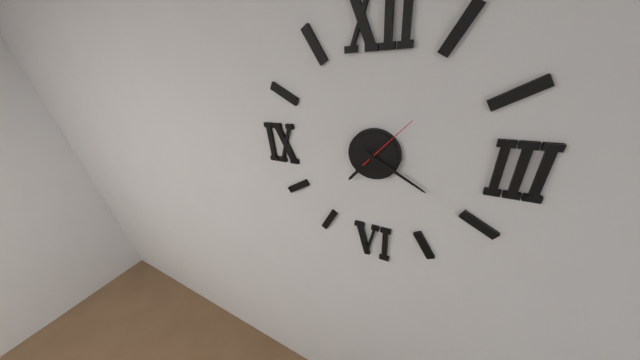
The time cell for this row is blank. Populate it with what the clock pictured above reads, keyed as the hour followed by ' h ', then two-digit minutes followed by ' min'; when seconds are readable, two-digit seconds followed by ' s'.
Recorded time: 7 h 20 min 07 s
